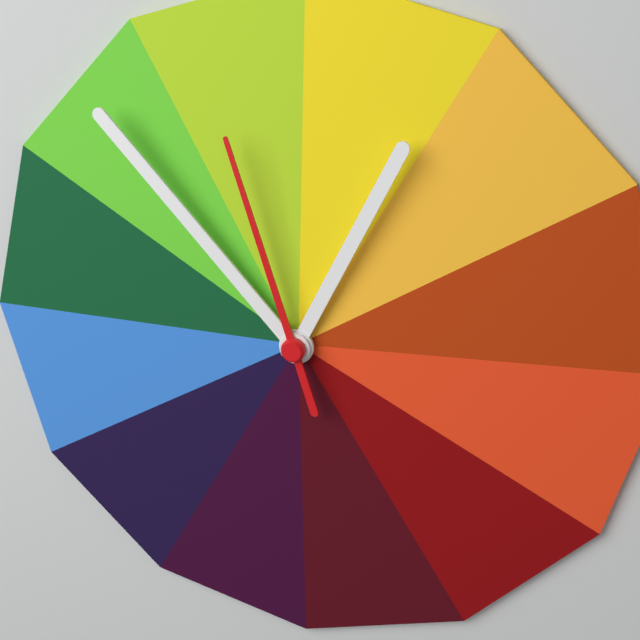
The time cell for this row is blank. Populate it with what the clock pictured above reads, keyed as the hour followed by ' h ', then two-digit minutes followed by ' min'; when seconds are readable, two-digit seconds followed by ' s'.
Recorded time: 12 h 53 min 57 s
